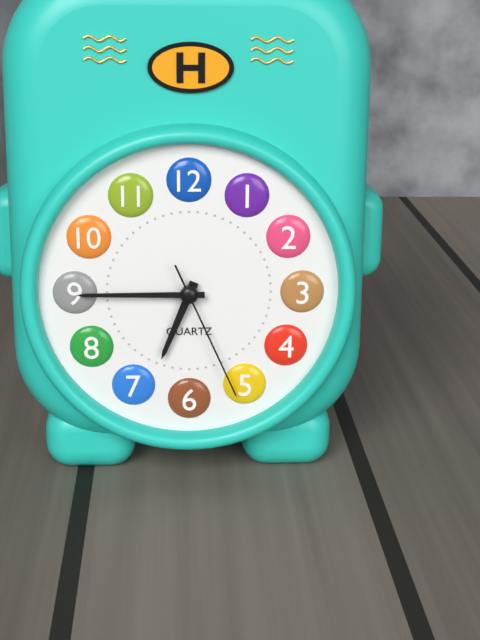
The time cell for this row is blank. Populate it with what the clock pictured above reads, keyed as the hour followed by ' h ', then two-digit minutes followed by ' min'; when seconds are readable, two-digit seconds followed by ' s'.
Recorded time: 6 h 45 min 26 s
